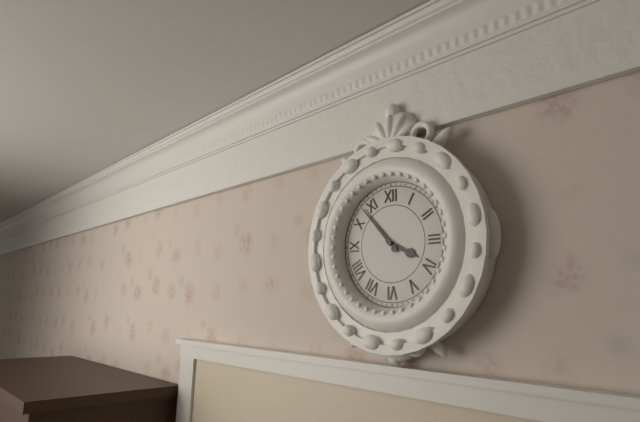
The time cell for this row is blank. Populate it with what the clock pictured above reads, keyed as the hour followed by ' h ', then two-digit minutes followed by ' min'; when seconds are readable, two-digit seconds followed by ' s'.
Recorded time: 3 h 53 min
